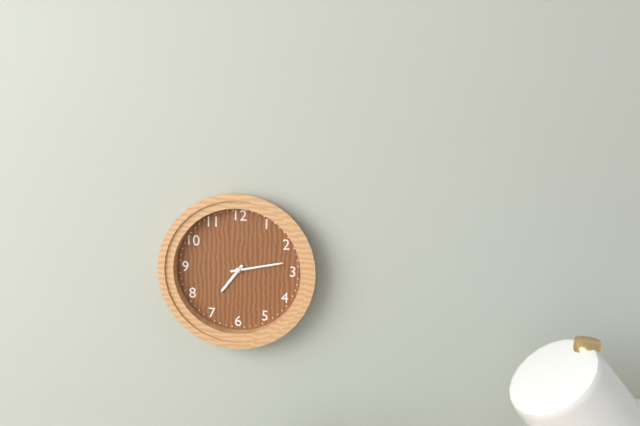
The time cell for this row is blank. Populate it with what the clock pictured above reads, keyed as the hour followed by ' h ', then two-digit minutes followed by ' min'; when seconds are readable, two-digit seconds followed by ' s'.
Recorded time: 7 h 13 min
